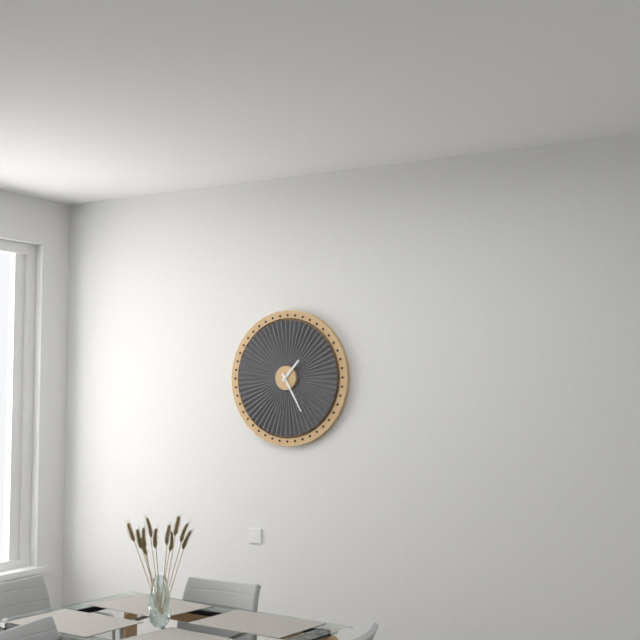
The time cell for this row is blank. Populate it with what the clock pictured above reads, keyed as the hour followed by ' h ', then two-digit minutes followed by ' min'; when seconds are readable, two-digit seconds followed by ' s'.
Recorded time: 1 h 25 min
